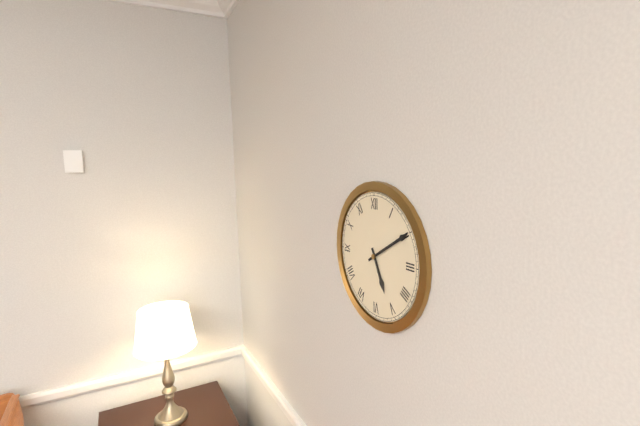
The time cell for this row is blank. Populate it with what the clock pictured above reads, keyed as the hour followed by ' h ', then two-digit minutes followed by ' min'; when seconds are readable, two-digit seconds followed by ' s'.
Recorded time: 5 h 10 min
